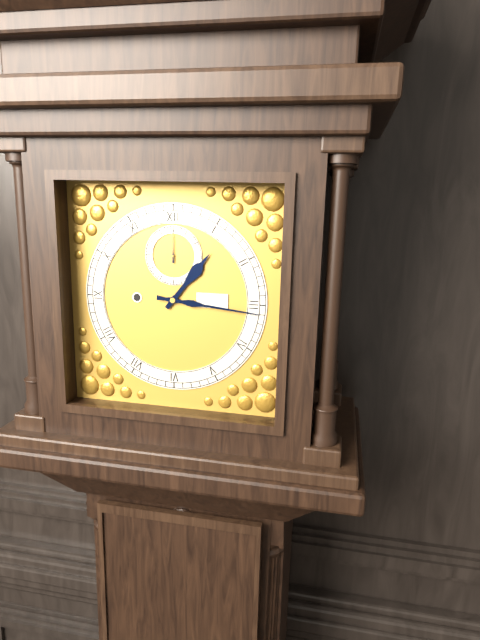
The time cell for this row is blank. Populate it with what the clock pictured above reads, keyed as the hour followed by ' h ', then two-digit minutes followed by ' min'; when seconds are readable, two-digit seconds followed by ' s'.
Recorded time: 1 h 16 min
